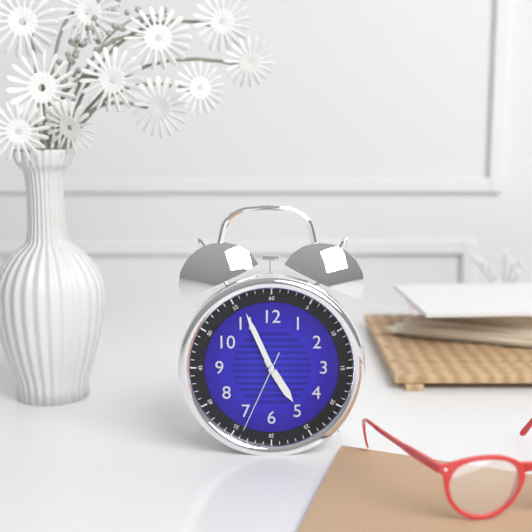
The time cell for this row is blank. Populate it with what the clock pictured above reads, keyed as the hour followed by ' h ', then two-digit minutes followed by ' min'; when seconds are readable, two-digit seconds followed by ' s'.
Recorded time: 4 h 56 min 34 s
